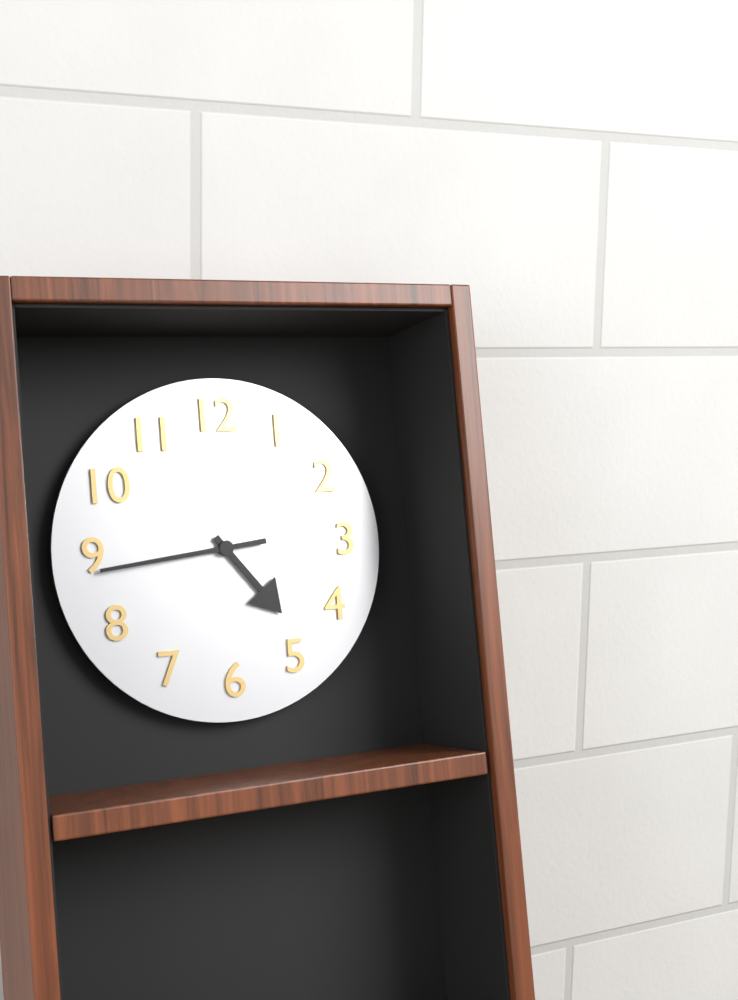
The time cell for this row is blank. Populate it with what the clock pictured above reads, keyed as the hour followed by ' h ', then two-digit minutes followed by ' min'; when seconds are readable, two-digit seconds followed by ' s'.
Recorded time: 4 h 44 min
